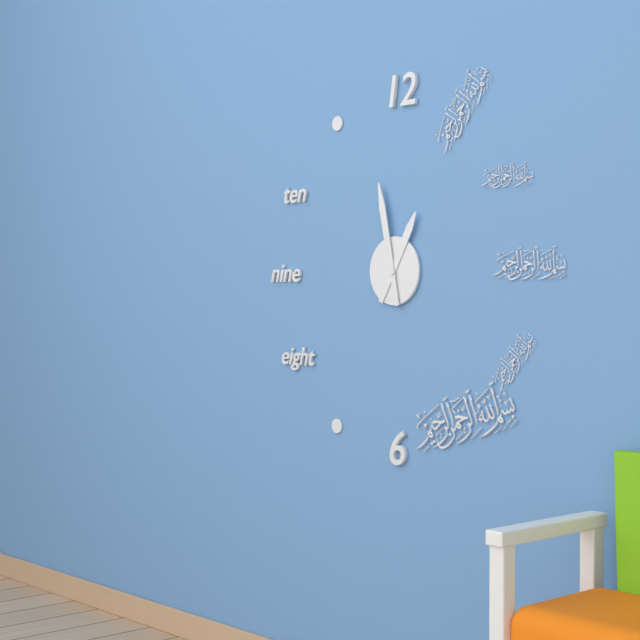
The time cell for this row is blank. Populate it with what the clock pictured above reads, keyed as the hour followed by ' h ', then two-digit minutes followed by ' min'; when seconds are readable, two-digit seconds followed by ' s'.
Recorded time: 12 h 58 min
